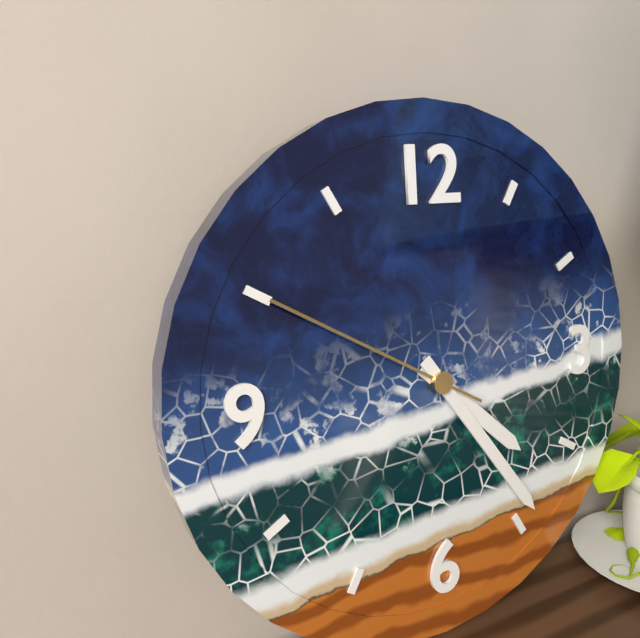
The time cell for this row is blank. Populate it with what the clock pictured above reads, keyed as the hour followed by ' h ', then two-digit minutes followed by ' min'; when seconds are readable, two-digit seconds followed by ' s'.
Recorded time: 4 h 24 min 50 s
